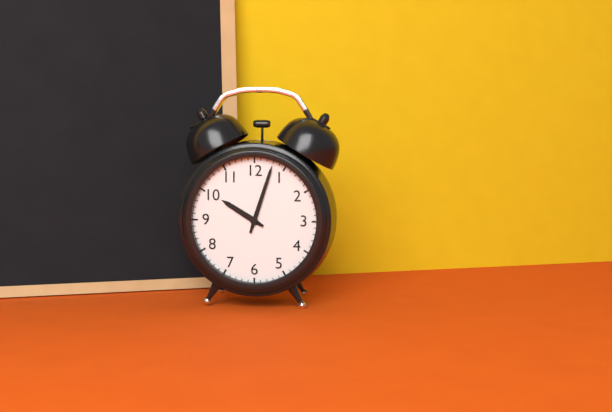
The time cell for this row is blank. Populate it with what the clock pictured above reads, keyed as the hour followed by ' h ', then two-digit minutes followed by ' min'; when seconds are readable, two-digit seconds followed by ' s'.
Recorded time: 10 h 03 min
